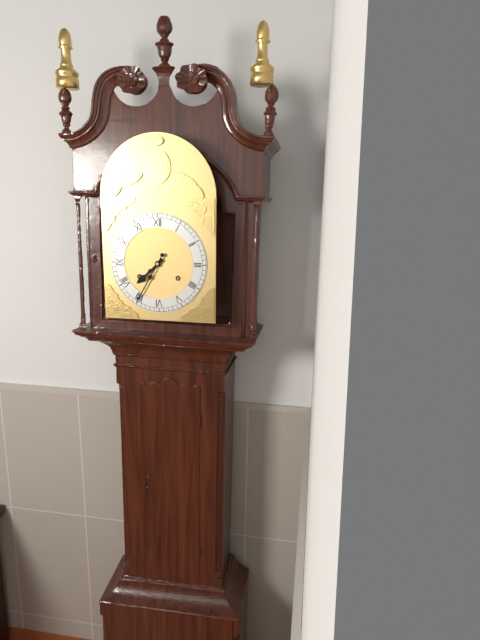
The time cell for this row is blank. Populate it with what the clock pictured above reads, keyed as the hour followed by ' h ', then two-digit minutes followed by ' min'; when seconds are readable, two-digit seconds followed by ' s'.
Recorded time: 7 h 35 min
